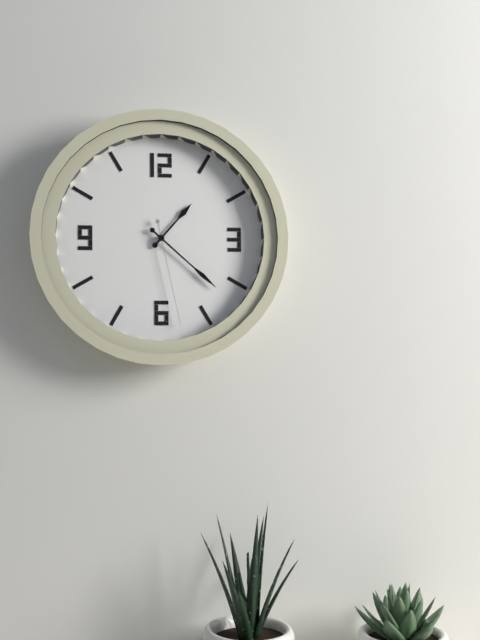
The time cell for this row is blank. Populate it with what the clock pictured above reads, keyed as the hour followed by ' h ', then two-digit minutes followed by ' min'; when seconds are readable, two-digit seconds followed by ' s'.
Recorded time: 1 h 22 min 28 s
